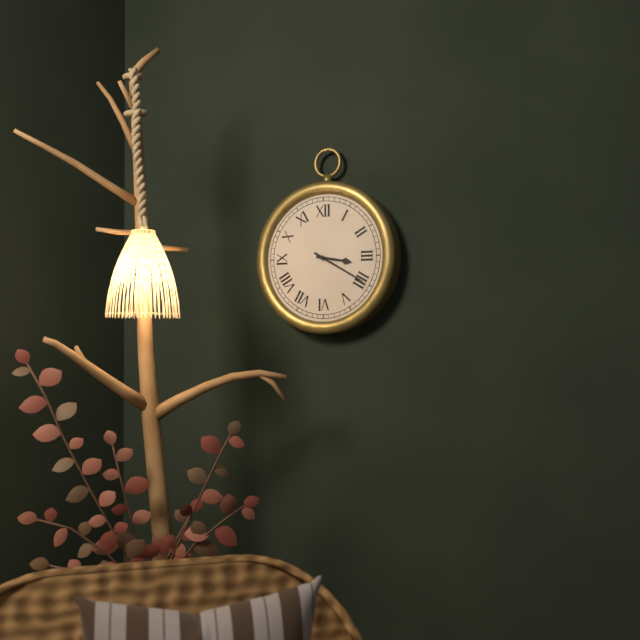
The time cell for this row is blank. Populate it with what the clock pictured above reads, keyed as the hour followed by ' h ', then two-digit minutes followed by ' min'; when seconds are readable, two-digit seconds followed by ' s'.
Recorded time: 3 h 20 min
